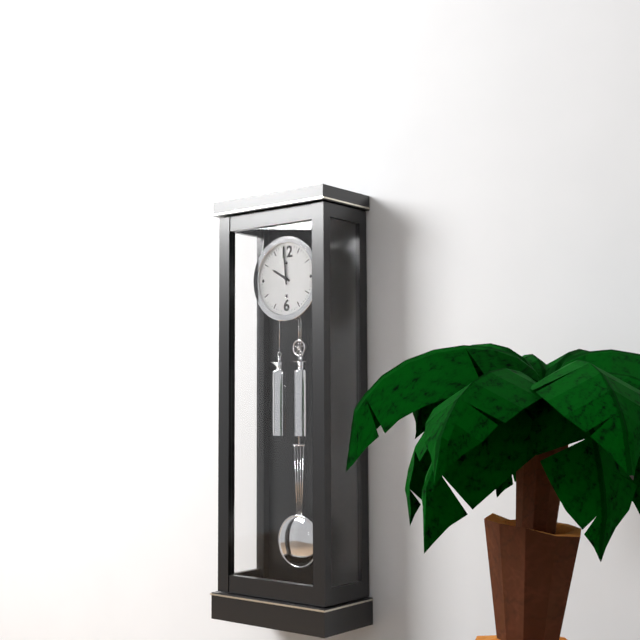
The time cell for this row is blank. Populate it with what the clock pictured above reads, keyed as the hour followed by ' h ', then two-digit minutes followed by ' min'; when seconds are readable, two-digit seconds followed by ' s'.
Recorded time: 9 h 59 min
